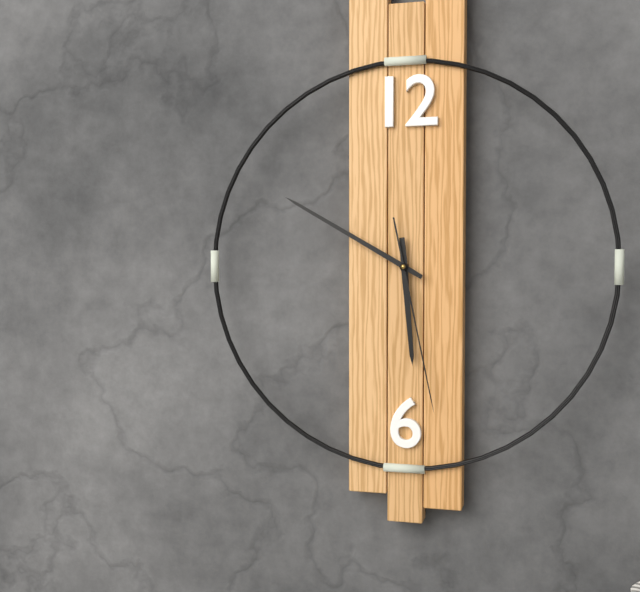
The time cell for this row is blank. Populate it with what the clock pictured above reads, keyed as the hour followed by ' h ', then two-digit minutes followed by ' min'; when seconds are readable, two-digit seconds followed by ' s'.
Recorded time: 5 h 50 min 28 s
